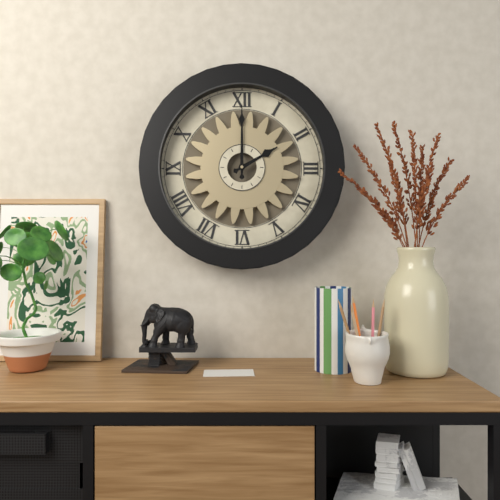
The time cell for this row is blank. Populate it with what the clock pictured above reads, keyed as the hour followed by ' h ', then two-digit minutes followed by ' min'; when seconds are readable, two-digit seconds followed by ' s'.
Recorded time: 2 h 00 min
